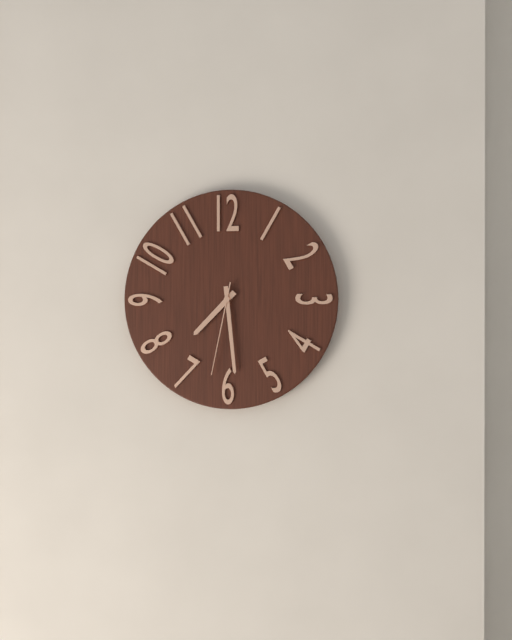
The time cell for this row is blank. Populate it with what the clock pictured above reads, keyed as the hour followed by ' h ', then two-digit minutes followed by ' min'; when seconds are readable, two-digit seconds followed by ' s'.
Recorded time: 7 h 29 min 32 s
